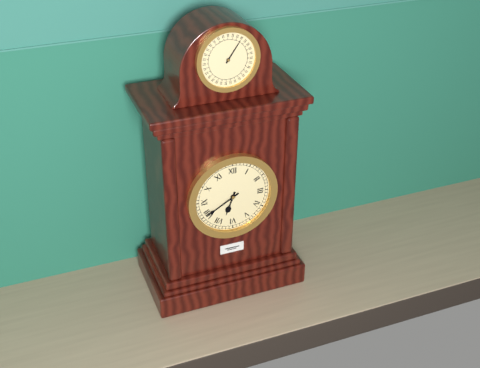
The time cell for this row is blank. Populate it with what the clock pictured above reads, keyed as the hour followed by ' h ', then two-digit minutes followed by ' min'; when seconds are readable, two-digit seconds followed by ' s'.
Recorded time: 6 h 40 min
